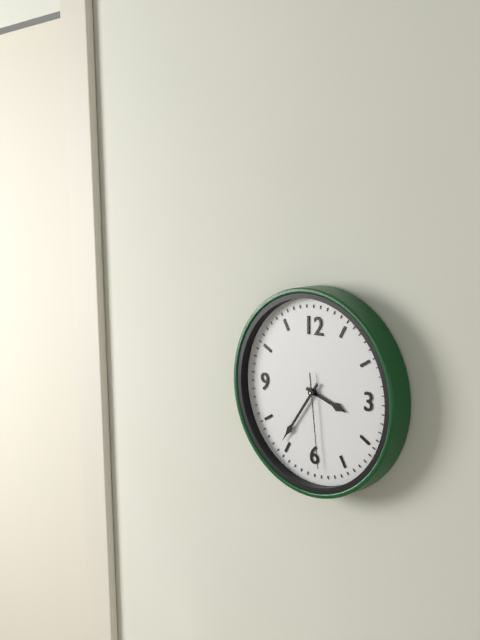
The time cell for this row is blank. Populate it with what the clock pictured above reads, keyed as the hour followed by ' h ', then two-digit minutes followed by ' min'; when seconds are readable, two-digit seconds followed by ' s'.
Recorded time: 3 h 36 min 29 s
